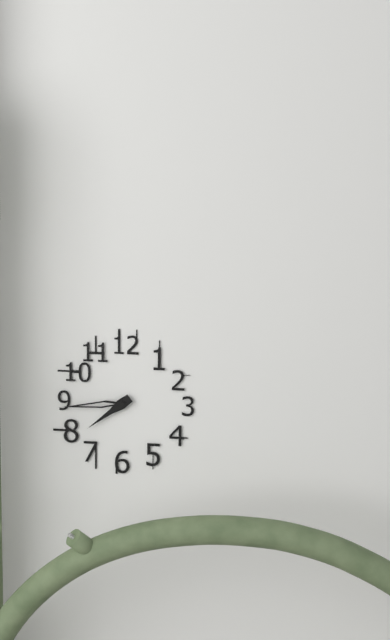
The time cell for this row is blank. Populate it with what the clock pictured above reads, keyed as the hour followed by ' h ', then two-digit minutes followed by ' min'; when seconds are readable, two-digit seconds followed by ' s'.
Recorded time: 7 h 44 min
